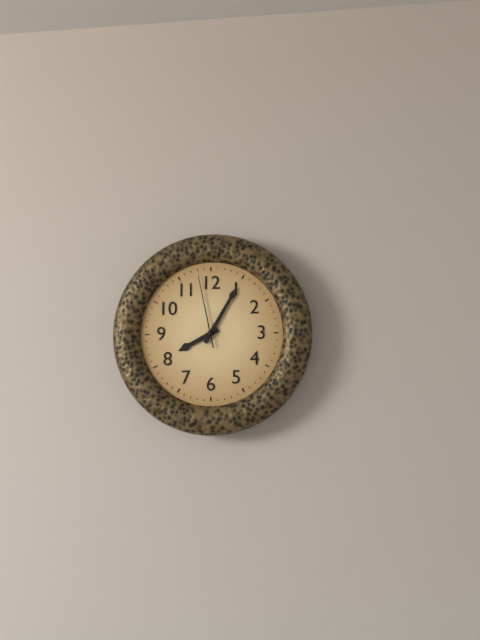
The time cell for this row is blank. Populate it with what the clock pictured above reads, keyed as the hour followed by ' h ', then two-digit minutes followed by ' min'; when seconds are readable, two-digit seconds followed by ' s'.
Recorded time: 8 h 05 min 58 s
